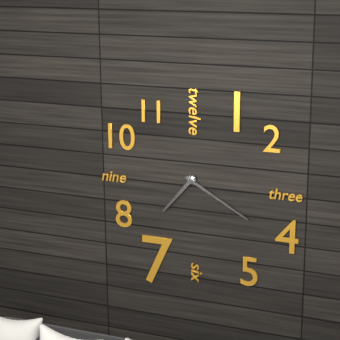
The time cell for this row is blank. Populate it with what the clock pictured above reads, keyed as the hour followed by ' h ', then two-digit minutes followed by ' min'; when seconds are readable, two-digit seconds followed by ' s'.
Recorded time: 7 h 20 min
